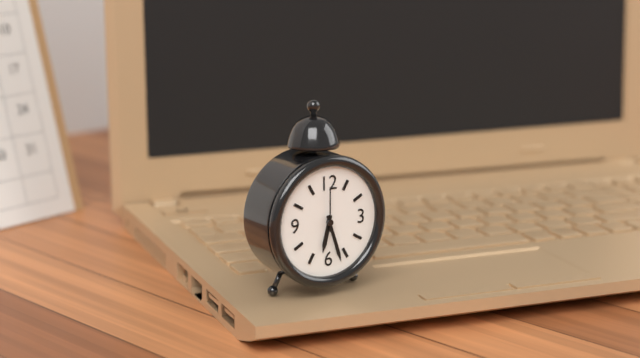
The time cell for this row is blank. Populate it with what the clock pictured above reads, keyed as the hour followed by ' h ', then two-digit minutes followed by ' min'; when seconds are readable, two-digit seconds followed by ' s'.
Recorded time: 6 h 27 min
